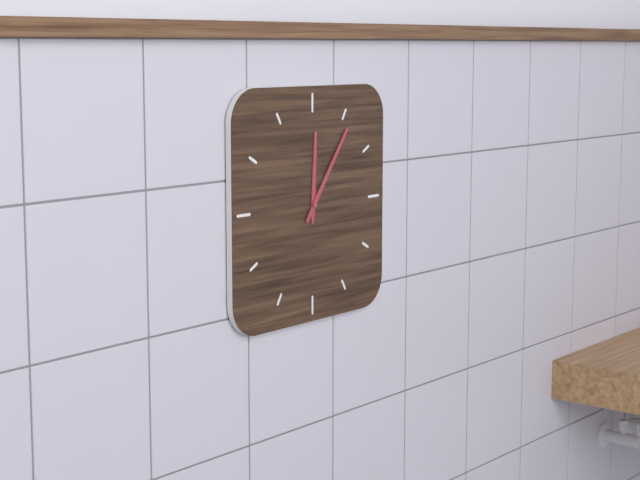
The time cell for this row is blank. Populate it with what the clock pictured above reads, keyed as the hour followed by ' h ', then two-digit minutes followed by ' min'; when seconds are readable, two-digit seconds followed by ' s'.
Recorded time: 12 h 06 min
